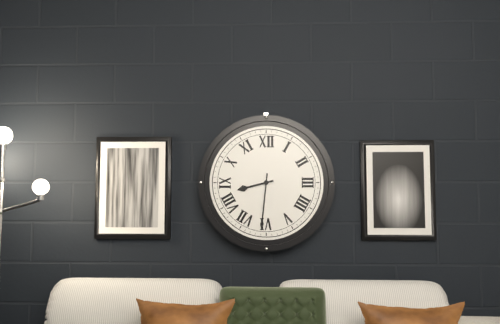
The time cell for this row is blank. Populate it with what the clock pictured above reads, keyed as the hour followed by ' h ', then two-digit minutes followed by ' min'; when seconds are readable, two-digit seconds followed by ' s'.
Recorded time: 8 h 31 min
